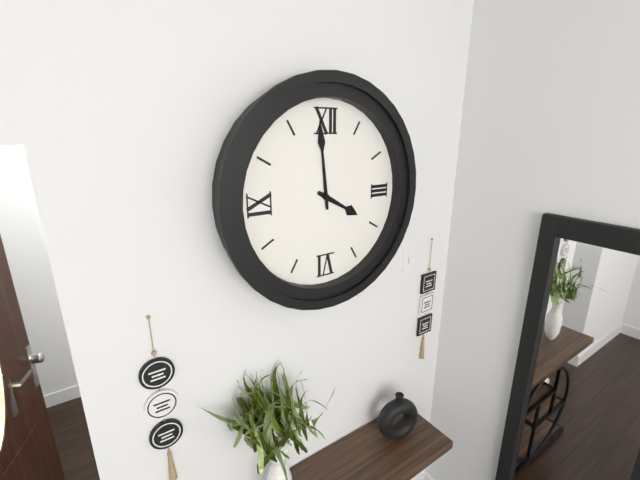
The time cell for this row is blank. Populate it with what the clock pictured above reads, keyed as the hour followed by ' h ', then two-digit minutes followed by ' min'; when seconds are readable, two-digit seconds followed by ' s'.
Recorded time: 3 h 59 min
